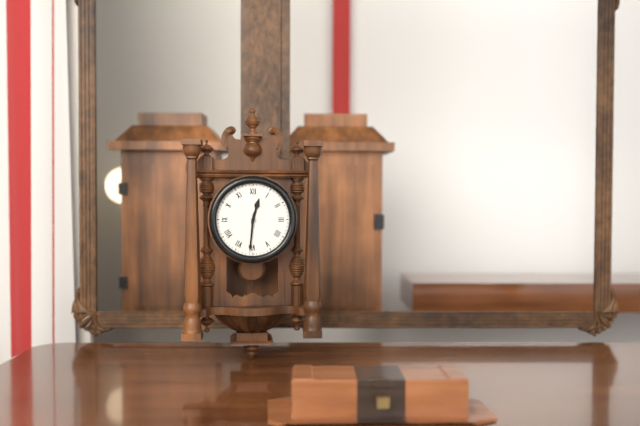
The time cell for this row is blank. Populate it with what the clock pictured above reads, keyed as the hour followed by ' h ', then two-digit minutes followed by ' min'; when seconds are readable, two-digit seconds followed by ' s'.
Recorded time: 12 h 31 min
